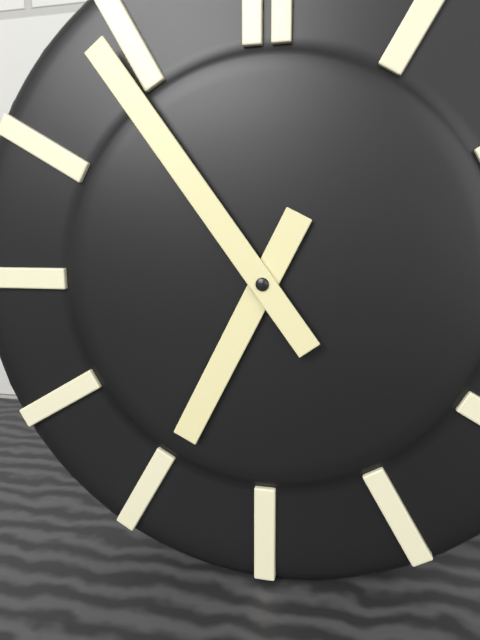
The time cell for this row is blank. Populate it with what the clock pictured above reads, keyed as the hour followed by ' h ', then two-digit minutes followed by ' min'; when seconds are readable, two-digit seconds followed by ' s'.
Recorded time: 6 h 54 min
